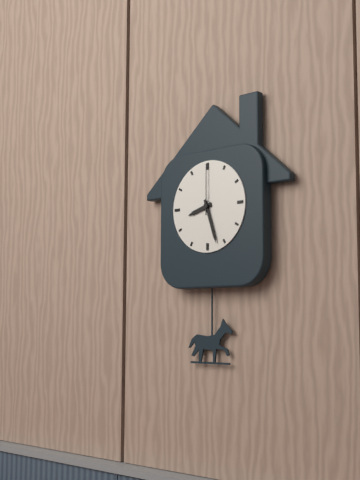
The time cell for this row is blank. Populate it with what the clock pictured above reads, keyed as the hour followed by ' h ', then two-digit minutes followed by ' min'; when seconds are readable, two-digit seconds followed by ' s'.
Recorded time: 8 h 27 min 00 s
